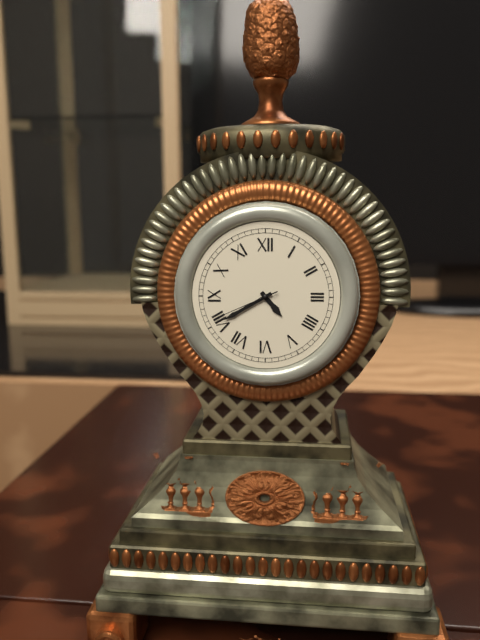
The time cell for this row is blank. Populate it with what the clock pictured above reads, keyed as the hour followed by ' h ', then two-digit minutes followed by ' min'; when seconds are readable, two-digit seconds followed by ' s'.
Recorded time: 4 h 40 min 41 s
